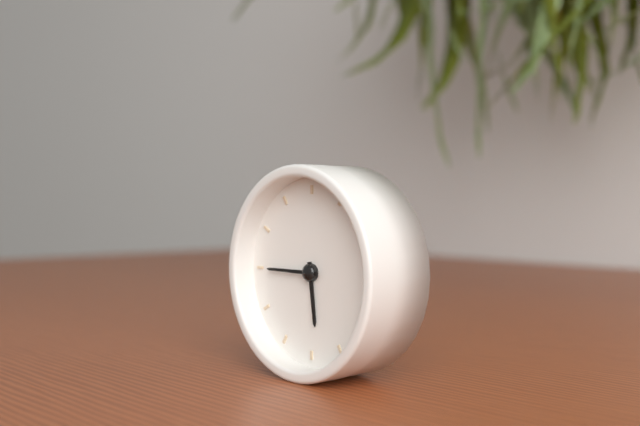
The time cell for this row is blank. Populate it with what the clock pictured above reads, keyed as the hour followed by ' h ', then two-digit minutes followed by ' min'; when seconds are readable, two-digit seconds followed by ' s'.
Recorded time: 5 h 45 min
